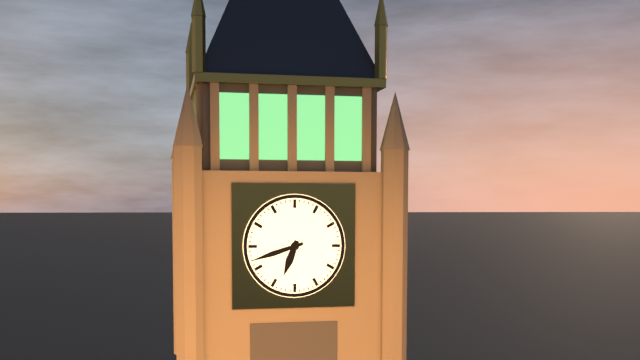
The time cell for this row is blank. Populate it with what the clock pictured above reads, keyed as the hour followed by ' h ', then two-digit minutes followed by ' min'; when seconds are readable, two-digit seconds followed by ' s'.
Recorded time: 6 h 42 min
